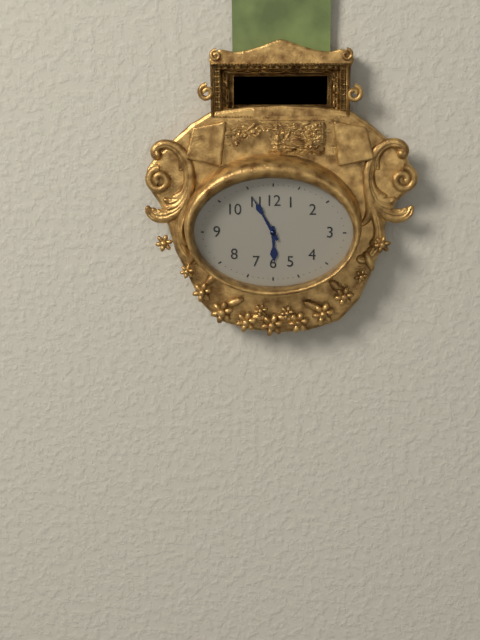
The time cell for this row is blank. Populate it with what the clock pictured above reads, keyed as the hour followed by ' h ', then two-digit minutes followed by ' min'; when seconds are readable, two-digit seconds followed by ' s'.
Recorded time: 5 h 55 min
